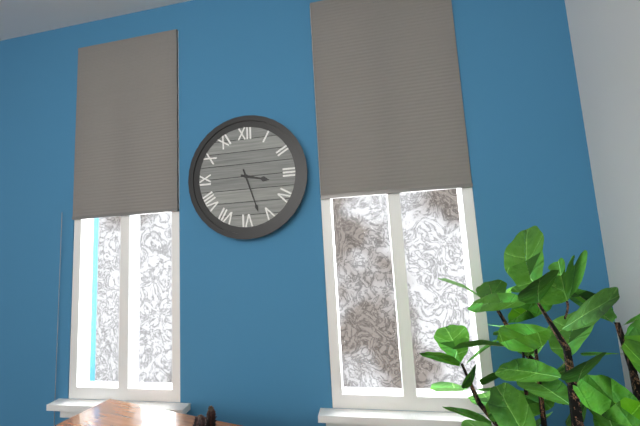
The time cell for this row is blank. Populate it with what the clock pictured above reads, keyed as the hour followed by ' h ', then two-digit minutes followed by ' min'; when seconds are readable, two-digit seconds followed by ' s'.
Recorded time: 3 h 27 min
